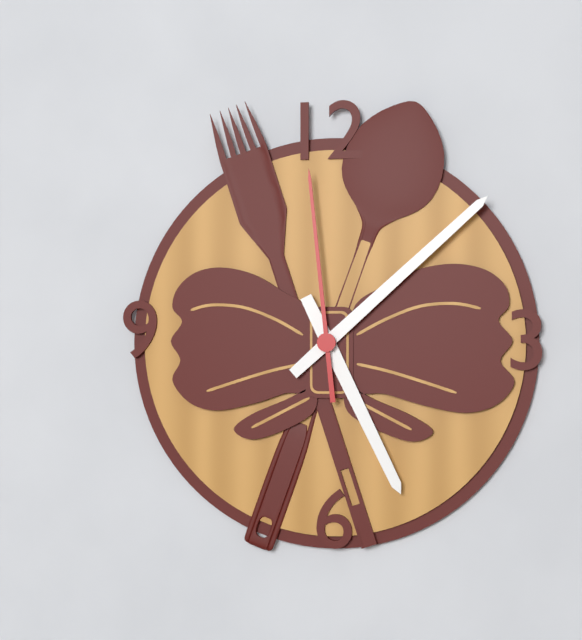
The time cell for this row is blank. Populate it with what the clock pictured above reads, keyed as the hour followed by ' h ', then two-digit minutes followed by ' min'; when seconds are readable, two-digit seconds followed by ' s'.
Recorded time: 5 h 08 min 59 s
